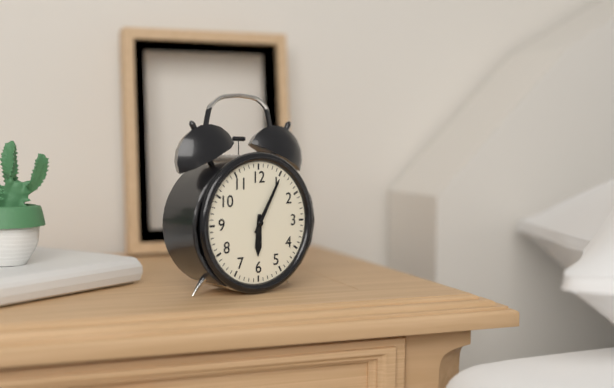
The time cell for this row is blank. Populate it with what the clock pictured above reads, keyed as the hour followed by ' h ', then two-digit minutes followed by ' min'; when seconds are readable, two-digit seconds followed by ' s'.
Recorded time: 6 h 05 min
